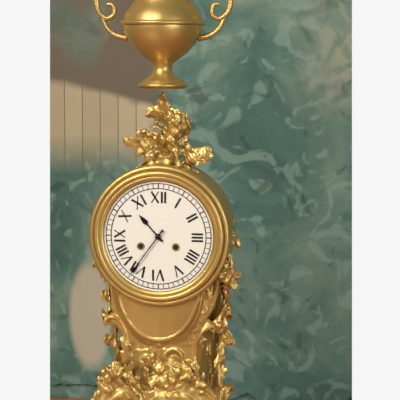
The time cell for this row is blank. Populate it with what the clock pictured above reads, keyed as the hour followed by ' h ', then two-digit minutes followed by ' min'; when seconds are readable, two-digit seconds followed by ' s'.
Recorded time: 10 h 36 min
